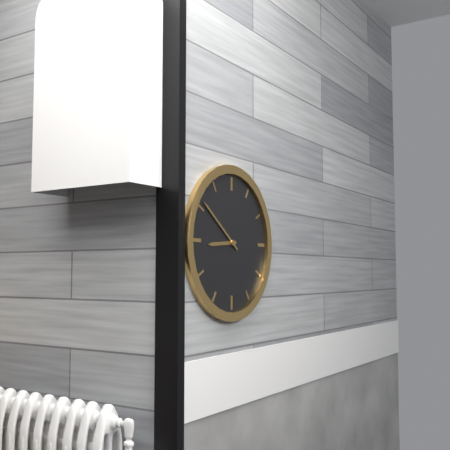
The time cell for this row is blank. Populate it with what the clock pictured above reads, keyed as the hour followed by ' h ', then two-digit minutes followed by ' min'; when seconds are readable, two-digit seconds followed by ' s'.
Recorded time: 8 h 51 min
